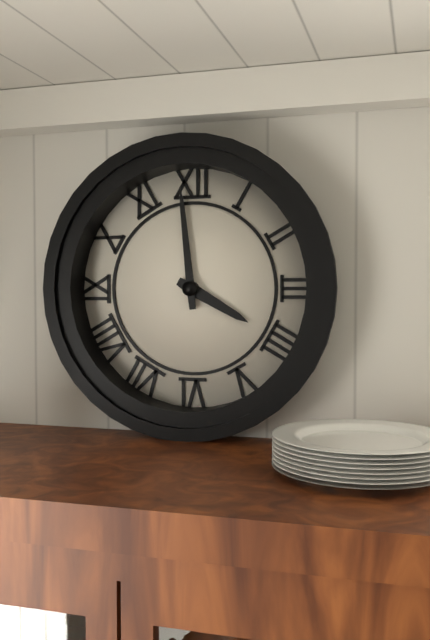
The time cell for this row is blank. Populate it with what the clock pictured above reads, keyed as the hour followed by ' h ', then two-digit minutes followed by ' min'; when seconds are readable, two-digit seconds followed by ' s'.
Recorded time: 3 h 59 min
